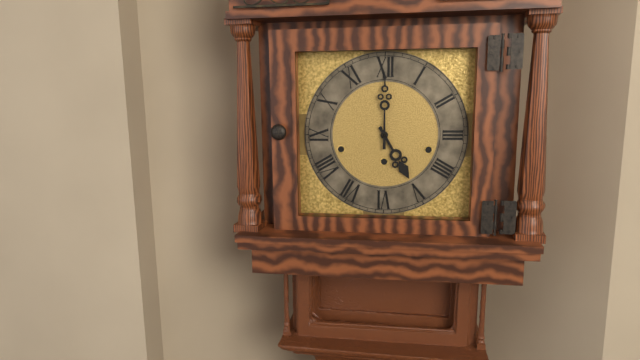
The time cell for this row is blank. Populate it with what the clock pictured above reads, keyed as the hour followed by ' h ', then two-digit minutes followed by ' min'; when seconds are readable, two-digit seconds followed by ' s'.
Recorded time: 5 h 00 min
